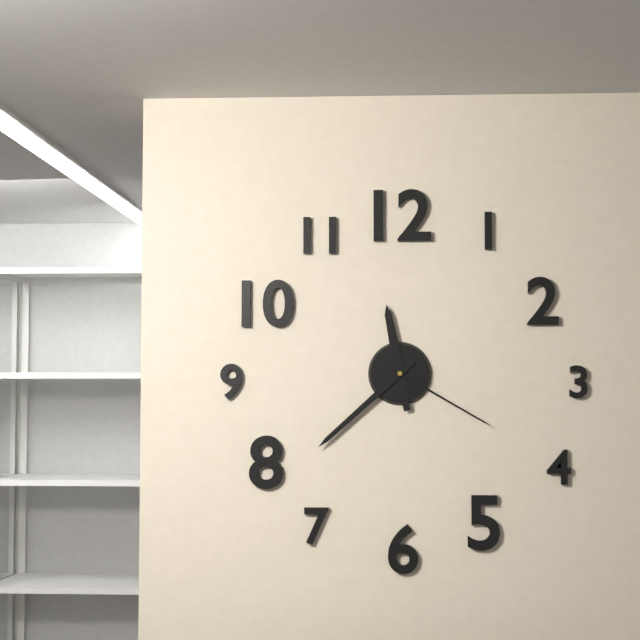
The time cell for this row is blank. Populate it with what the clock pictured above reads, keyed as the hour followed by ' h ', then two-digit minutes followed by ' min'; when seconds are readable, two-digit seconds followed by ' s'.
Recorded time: 11 h 38 min 20 s
